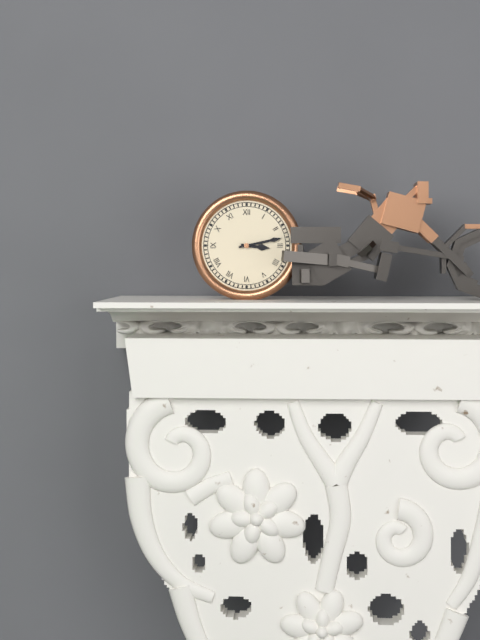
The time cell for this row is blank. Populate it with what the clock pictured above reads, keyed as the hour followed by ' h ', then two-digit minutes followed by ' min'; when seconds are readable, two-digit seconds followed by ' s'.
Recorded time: 3 h 13 min
